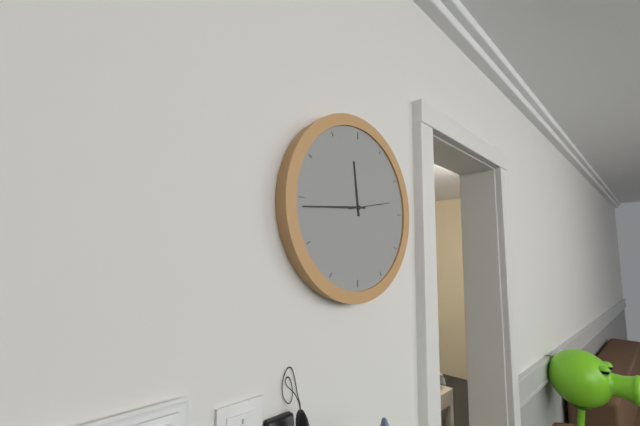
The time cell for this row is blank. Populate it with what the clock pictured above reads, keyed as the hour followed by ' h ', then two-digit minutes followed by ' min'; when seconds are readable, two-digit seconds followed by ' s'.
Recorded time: 11 h 44 min
